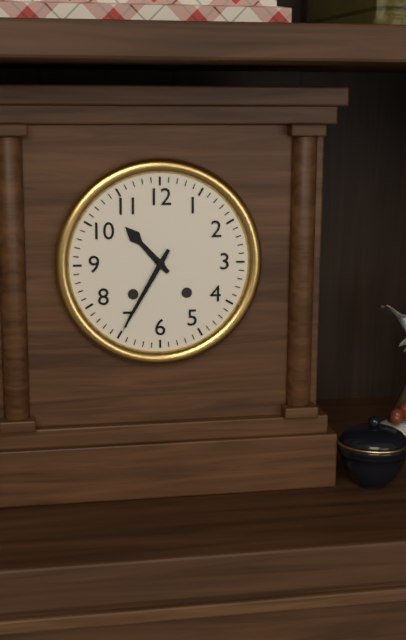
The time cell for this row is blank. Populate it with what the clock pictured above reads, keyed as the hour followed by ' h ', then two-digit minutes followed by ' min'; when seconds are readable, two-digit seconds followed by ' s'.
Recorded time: 10 h 35 min
